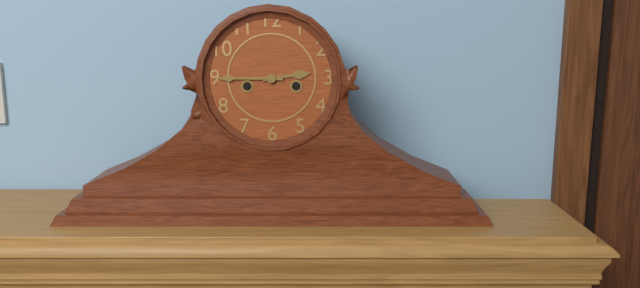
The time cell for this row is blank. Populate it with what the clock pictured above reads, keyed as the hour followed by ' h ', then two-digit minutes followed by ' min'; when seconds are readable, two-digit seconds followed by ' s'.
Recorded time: 2 h 45 min
